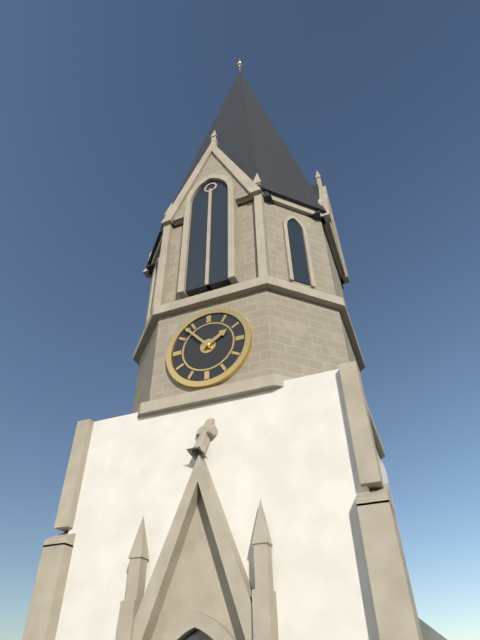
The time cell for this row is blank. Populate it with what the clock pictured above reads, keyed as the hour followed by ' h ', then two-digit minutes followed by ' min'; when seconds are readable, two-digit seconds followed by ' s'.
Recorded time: 1 h 53 min
